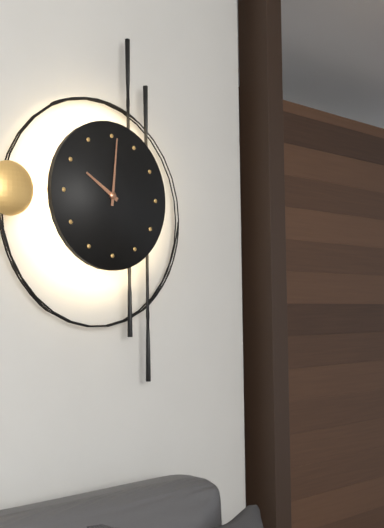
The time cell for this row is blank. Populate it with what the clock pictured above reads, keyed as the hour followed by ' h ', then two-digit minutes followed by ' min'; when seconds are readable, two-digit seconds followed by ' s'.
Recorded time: 10 h 01 min
